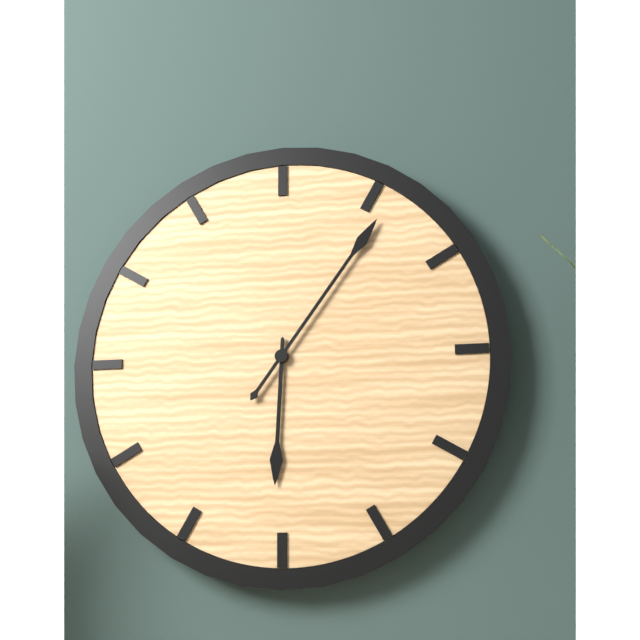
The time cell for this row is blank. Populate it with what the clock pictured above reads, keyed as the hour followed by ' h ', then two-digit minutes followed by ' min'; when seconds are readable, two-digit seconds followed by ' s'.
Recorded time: 6 h 06 min
